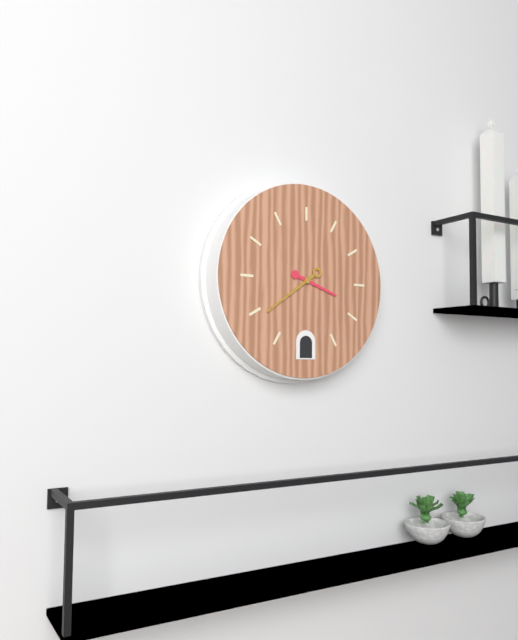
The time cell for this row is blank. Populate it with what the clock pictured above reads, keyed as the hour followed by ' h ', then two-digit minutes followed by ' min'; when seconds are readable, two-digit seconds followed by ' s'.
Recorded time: 3 h 39 min
